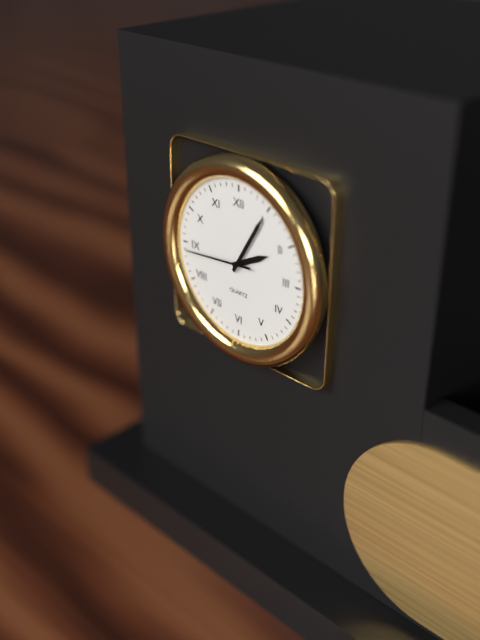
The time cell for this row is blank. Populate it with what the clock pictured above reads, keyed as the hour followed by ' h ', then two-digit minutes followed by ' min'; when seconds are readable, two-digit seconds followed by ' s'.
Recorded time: 2 h 05 min 44 s
